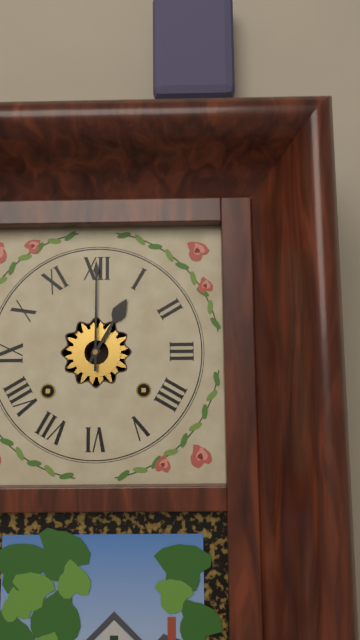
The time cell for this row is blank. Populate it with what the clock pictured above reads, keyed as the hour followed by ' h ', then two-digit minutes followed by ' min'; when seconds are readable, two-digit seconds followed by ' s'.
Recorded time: 1 h 00 min
